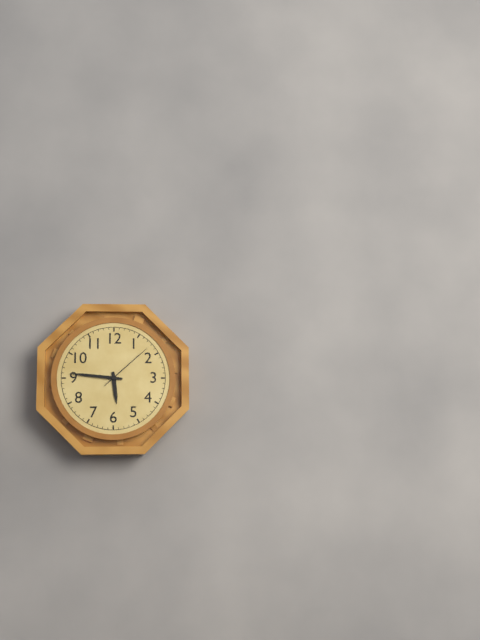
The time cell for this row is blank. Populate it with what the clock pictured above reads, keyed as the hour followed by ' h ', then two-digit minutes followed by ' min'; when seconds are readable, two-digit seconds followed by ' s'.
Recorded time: 5 h 46 min 08 s
